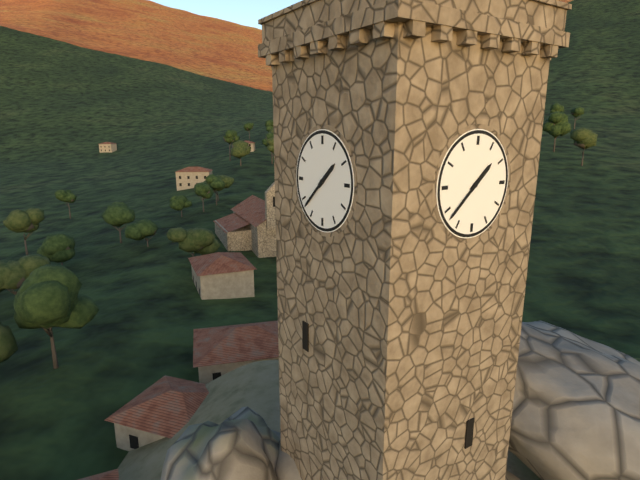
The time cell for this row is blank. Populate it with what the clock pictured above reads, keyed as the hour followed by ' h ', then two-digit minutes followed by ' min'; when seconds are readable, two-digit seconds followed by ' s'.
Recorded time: 1 h 38 min
